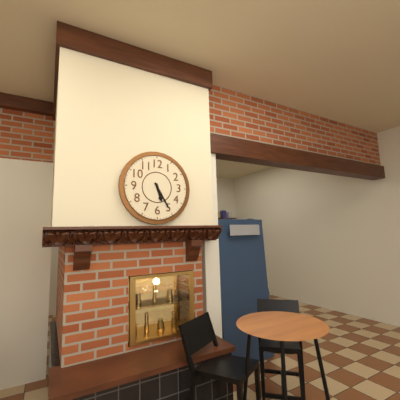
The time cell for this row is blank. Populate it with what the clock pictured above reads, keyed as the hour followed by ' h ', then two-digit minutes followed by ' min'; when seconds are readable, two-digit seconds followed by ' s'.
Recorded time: 5 h 25 min
